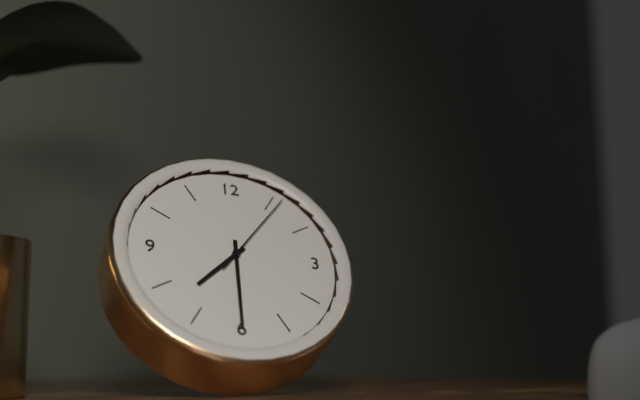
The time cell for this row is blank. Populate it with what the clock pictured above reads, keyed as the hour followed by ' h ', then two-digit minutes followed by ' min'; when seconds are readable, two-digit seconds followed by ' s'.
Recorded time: 7 h 30 min 06 s
